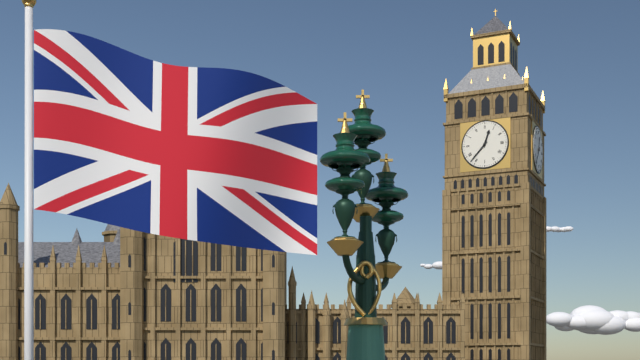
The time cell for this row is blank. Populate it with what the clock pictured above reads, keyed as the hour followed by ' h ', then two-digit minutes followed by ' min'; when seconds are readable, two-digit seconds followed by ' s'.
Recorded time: 12 h 37 min
